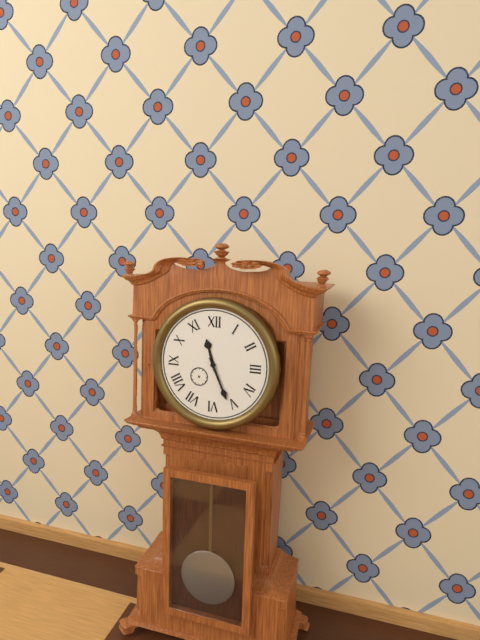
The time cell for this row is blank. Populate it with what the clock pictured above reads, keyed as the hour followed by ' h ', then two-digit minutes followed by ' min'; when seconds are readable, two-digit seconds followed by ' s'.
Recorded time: 11 h 26 min
